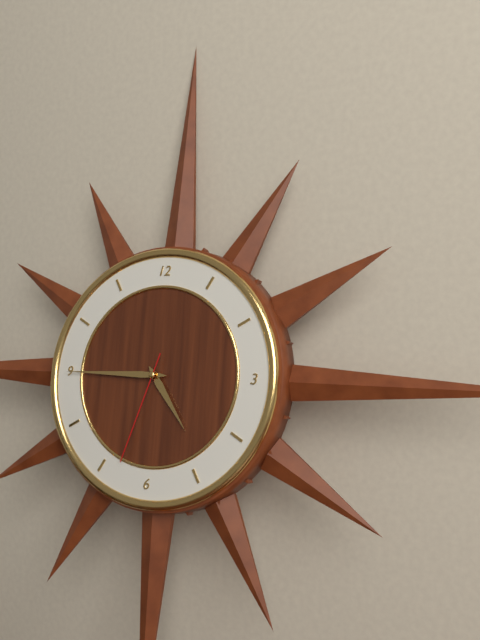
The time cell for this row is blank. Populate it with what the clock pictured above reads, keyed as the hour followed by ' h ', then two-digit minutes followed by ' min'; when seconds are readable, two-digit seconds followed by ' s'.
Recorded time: 4 h 45 min 33 s
